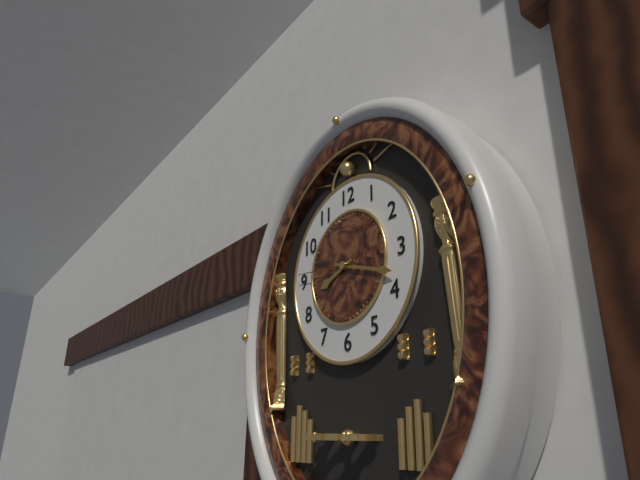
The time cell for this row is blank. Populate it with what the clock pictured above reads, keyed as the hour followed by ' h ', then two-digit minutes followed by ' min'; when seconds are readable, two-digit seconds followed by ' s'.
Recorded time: 8 h 18 min 46 s
